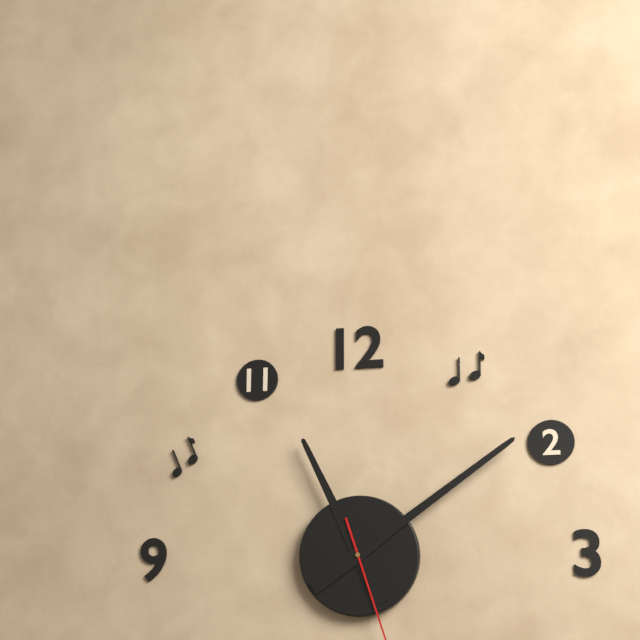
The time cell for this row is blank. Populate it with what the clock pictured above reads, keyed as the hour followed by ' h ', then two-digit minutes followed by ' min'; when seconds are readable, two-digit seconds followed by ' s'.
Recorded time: 11 h 09 min
